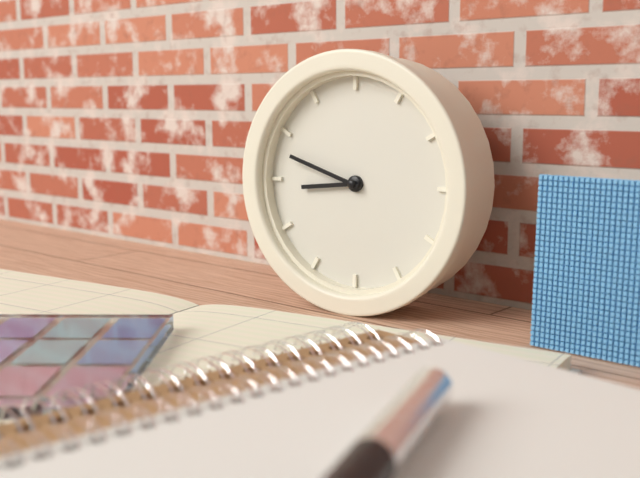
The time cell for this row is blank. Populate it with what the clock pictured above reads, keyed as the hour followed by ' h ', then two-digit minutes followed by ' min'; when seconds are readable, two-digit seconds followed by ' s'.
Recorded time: 8 h 48 min
